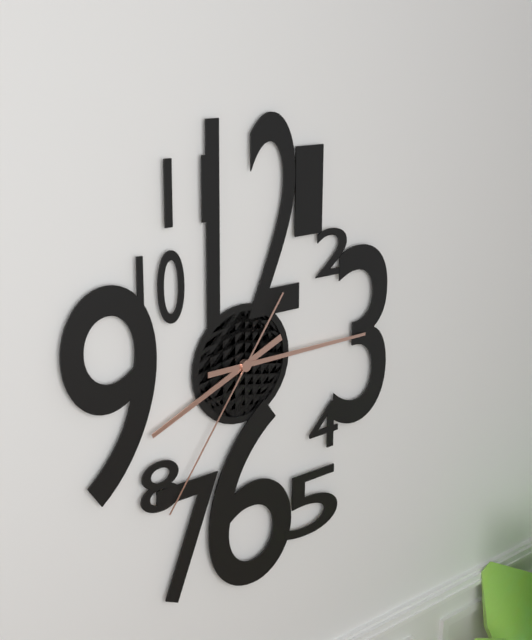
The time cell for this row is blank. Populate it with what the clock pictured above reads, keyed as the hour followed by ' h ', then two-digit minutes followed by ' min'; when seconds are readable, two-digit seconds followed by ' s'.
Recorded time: 8 h 15 min 36 s
